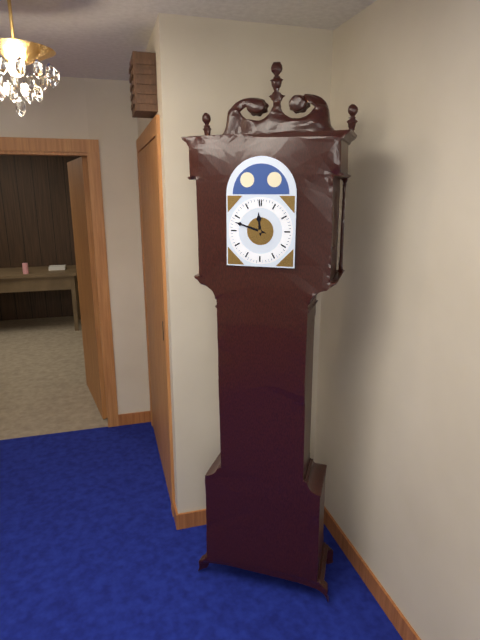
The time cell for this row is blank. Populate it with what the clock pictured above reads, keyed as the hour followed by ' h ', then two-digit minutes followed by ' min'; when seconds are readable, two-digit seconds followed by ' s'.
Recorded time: 11 h 48 min
